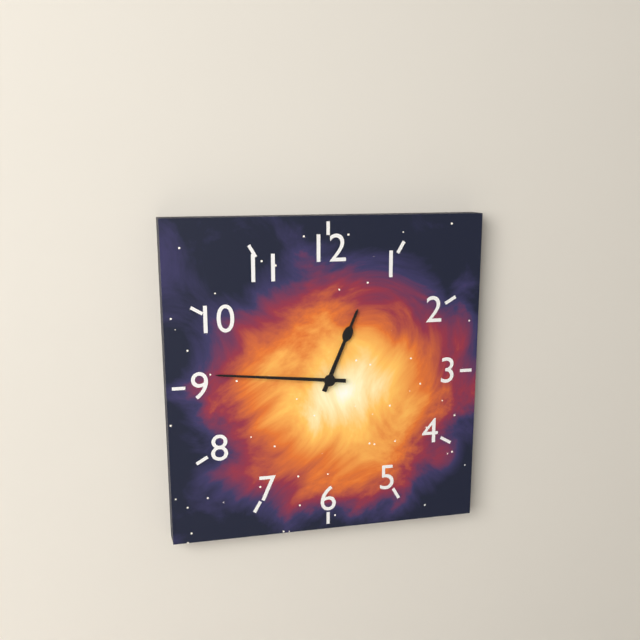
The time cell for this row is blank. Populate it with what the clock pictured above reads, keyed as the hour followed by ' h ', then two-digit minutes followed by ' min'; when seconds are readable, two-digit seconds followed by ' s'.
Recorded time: 12 h 46 min
